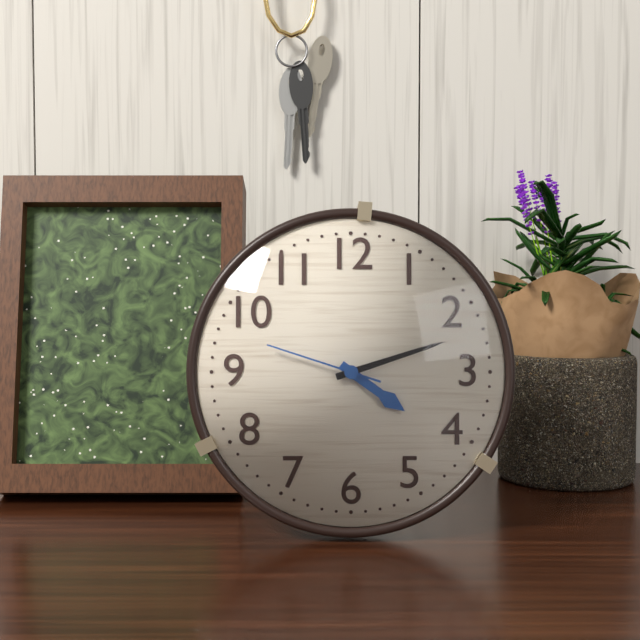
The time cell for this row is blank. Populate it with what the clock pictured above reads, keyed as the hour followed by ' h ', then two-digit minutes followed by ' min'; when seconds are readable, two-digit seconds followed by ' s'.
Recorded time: 4 h 12 min 48 s
